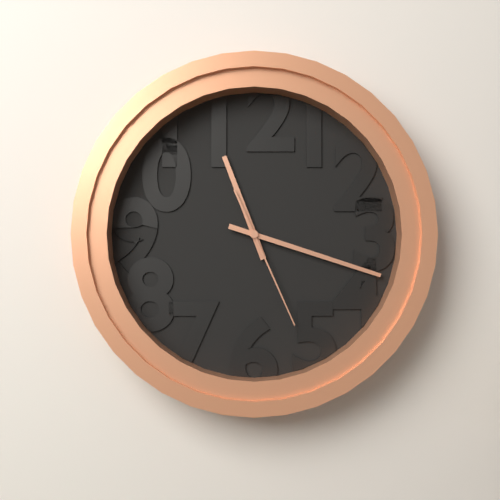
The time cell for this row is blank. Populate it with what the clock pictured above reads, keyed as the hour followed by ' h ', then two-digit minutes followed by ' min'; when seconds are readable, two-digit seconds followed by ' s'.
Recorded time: 11 h 18 min 26 s
